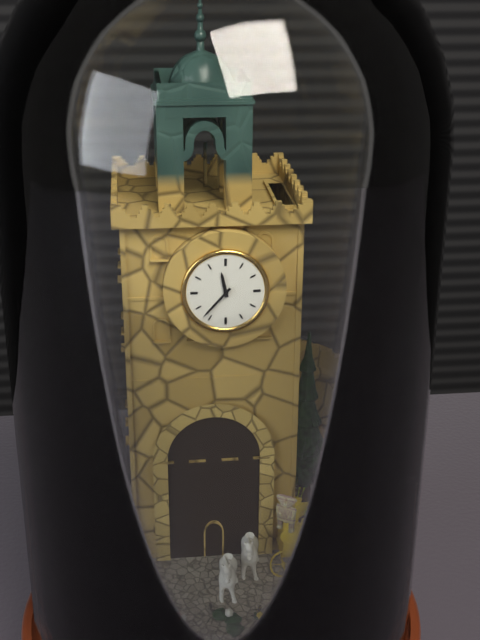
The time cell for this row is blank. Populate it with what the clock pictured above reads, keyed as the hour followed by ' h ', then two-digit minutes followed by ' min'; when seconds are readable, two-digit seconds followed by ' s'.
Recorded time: 11 h 37 min
